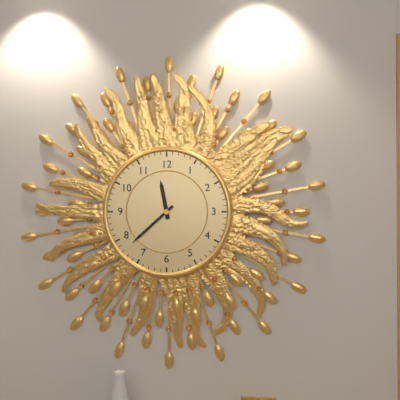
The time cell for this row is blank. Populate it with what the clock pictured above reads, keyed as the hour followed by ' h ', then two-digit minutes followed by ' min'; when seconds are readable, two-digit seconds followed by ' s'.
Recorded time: 11 h 38 min
